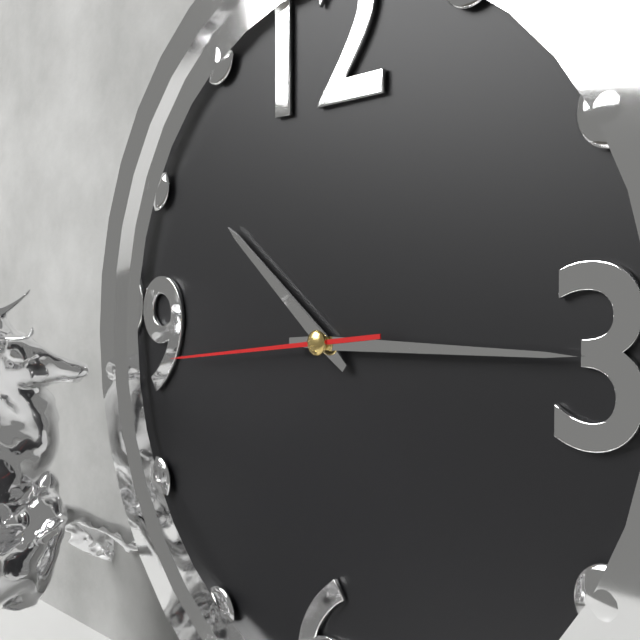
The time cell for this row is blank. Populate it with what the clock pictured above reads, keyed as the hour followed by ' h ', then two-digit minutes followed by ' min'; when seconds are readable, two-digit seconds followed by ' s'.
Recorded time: 10 h 15 min 44 s
